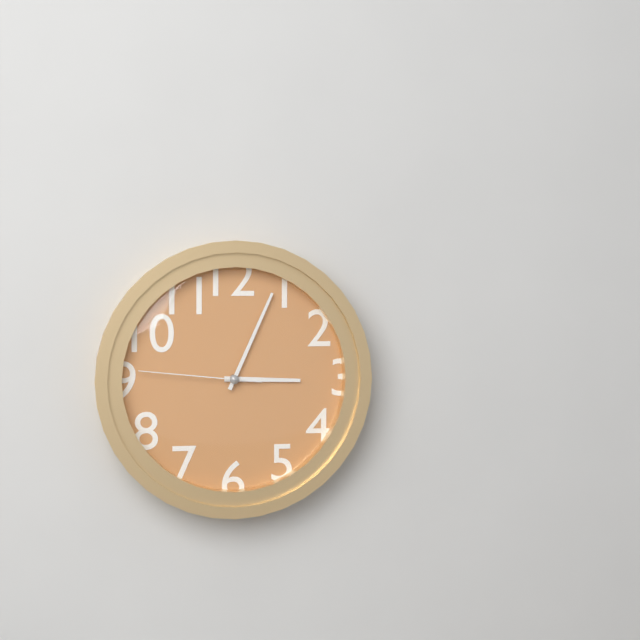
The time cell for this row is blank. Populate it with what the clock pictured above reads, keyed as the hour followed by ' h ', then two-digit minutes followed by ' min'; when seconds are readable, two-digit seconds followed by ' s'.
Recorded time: 3 h 04 min 46 s
